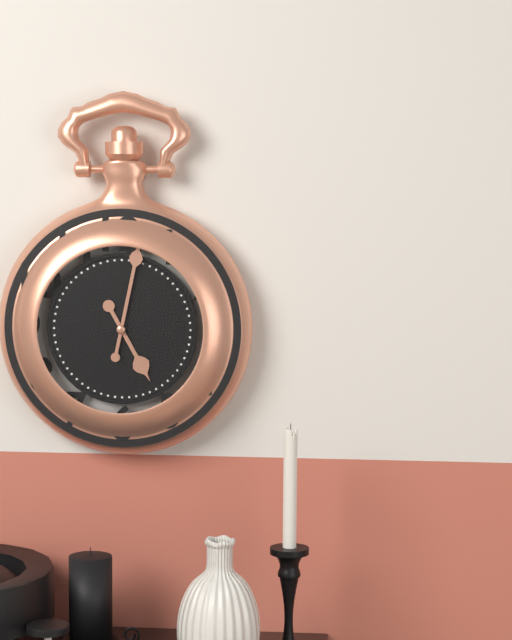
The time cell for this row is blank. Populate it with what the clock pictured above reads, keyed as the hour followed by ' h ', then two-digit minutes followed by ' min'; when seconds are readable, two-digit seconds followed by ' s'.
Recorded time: 5 h 02 min
